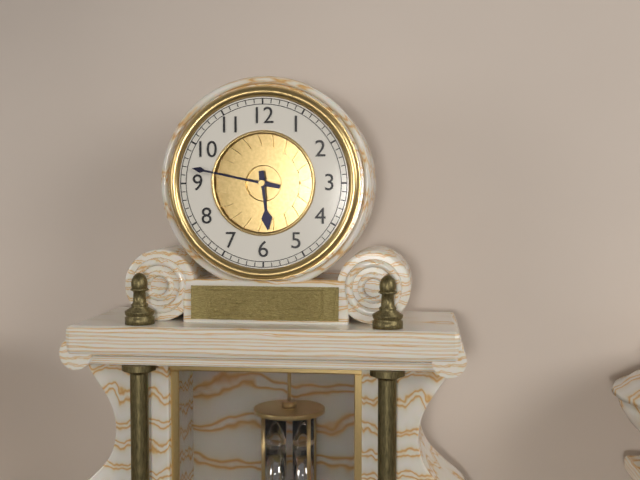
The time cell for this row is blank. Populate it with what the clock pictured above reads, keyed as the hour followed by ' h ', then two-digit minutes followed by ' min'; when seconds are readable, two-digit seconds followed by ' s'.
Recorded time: 5 h 47 min
